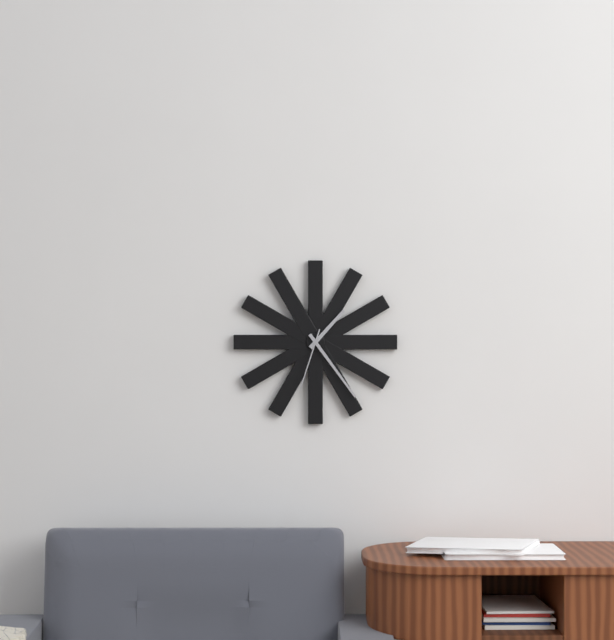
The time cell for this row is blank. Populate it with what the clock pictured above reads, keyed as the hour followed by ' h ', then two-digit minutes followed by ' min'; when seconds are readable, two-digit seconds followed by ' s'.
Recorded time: 1 h 24 min 33 s
